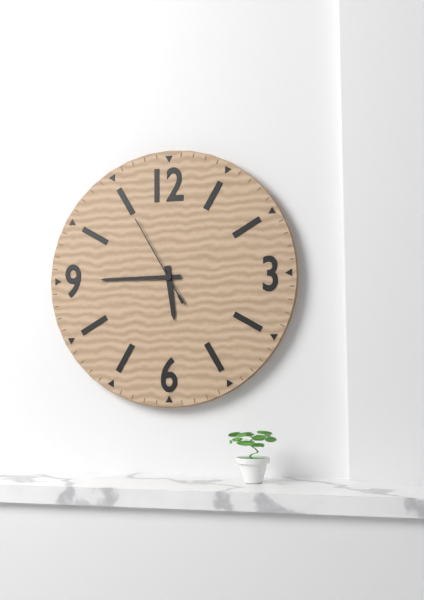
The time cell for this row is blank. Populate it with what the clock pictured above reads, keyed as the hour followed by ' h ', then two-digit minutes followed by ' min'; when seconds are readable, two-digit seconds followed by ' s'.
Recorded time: 5 h 45 min 55 s
